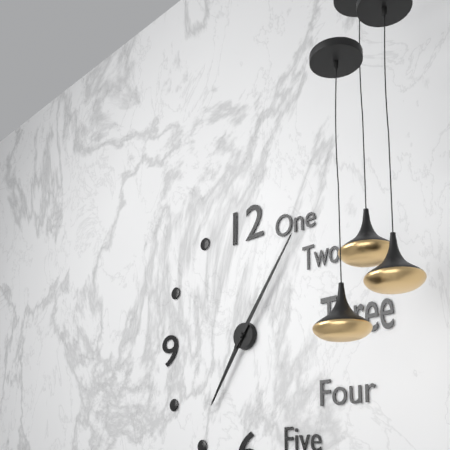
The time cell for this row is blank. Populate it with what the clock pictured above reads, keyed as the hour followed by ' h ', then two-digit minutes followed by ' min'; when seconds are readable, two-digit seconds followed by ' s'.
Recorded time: 7 h 06 min
